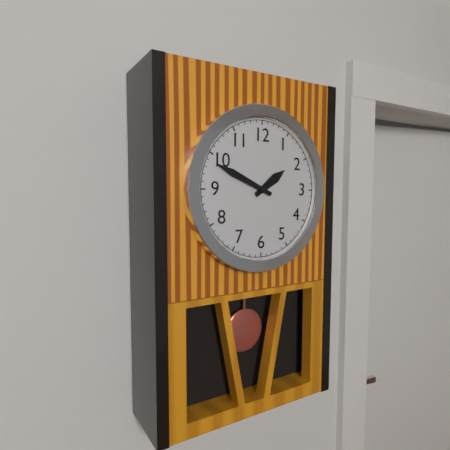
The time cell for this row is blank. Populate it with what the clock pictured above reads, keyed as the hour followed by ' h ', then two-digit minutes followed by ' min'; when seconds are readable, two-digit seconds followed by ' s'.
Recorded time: 1 h 49 min
